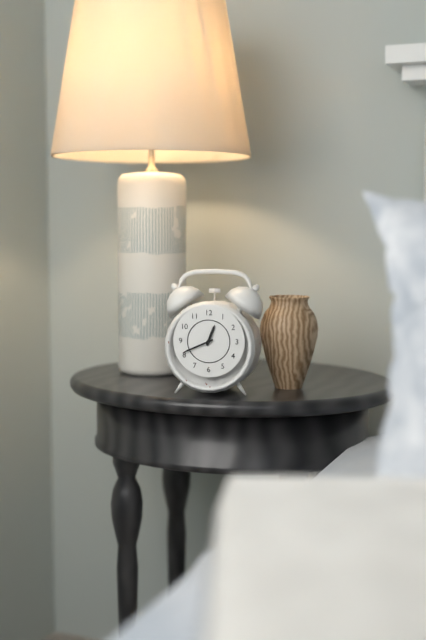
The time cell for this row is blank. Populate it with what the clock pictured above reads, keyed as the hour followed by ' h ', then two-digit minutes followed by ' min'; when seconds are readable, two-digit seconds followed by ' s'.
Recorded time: 12 h 41 min
